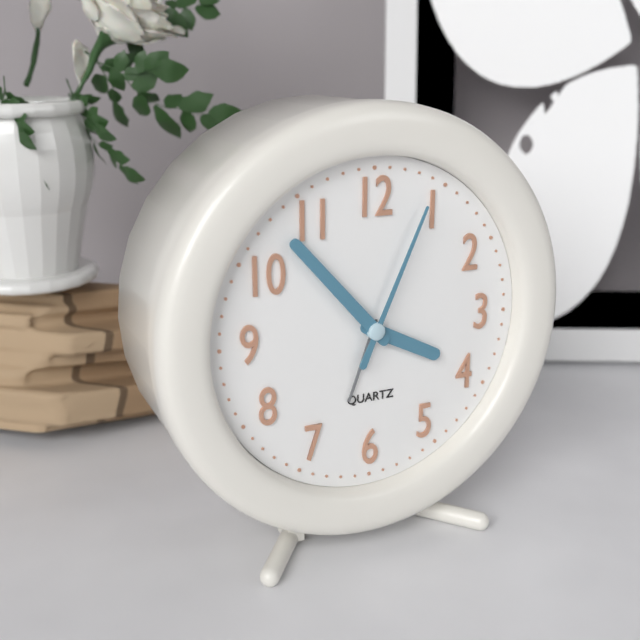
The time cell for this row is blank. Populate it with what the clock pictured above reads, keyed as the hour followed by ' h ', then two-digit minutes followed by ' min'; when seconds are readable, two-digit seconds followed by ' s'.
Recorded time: 3 h 53 min 04 s
